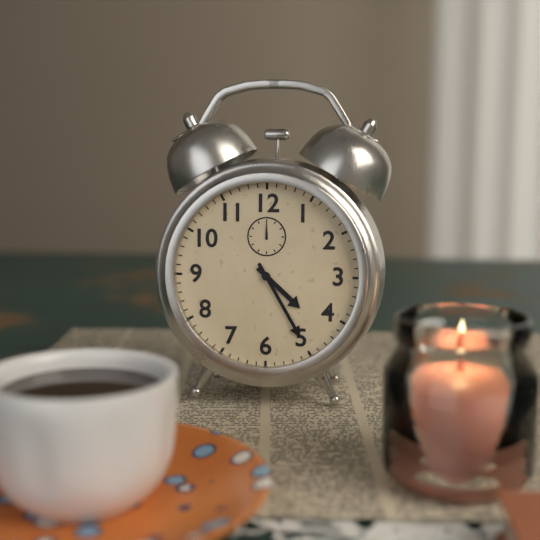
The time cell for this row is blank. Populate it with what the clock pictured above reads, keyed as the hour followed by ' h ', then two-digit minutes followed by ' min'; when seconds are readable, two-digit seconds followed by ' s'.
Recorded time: 4 h 25 min
